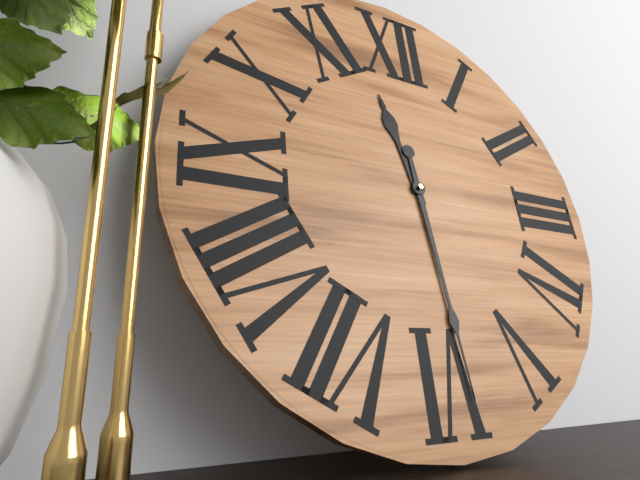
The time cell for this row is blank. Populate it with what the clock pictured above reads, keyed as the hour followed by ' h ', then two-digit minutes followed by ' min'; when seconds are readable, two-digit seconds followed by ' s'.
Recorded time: 11 h 29 min
